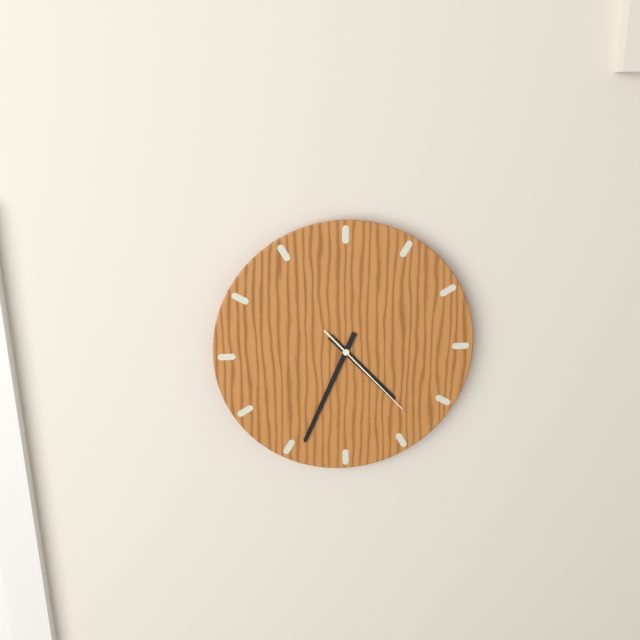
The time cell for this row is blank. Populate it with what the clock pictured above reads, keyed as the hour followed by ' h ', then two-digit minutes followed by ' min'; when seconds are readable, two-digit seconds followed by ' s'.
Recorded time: 4 h 34 min 23 s
